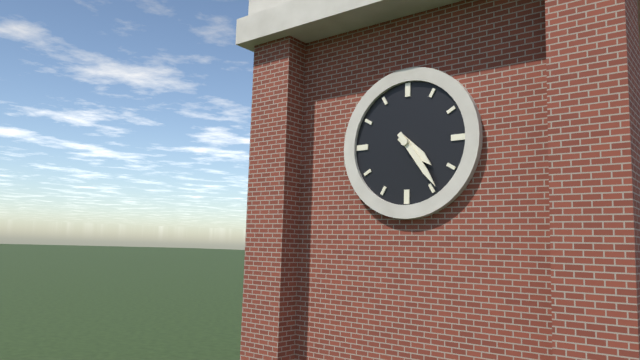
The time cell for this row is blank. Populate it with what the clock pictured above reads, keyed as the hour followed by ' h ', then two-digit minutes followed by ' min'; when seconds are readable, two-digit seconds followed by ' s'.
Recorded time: 4 h 24 min
